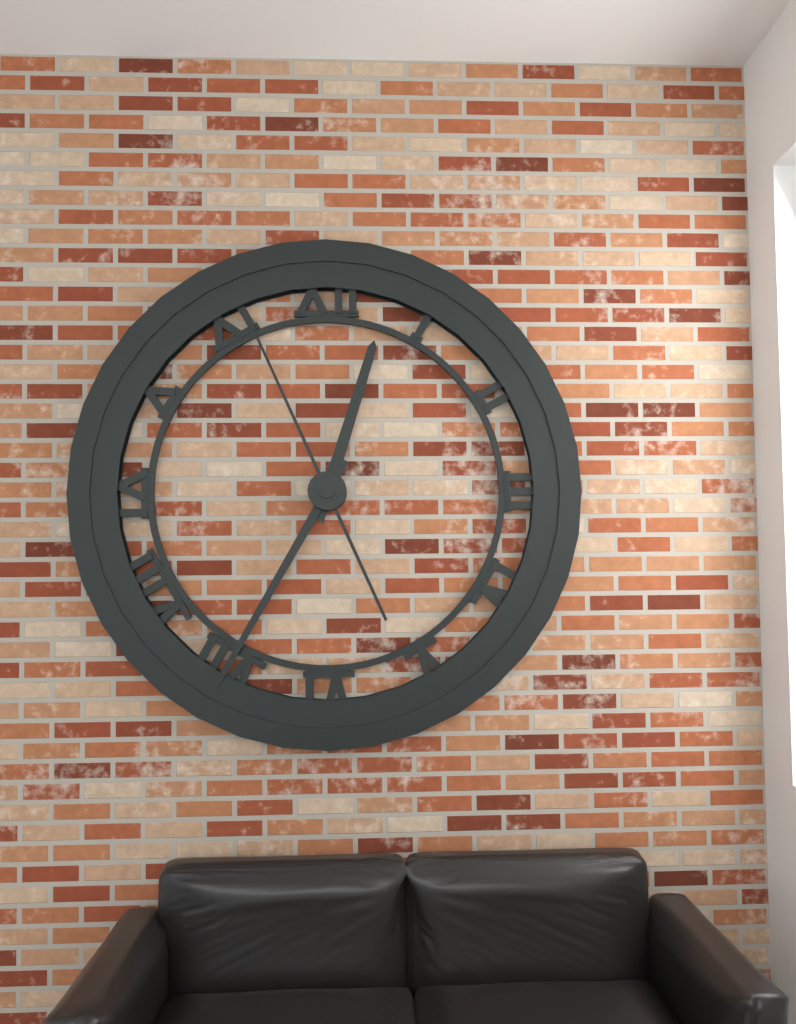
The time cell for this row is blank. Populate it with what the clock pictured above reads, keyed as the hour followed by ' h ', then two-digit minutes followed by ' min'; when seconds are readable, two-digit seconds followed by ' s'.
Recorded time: 12 h 35 min 56 s
